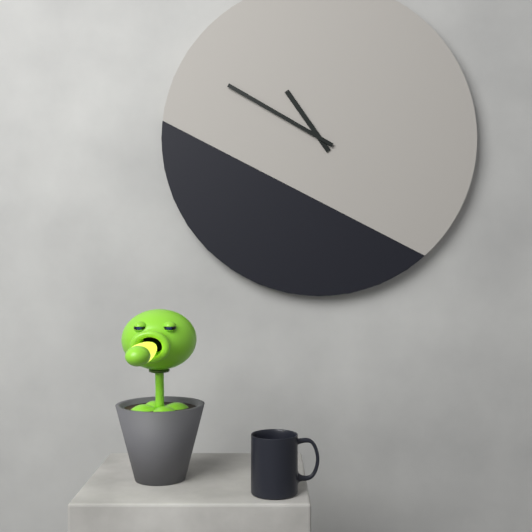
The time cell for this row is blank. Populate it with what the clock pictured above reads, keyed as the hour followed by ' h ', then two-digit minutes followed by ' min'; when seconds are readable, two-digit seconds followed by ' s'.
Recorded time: 10 h 50 min
